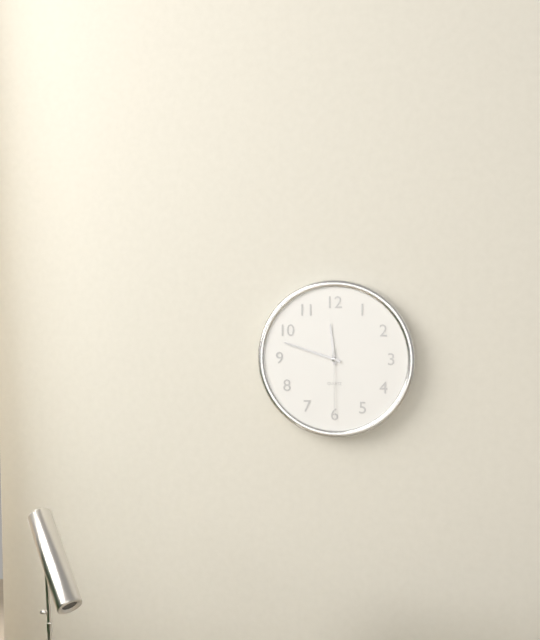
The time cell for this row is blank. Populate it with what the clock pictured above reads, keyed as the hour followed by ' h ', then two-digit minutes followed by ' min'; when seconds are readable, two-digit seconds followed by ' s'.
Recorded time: 11 h 48 min 30 s
